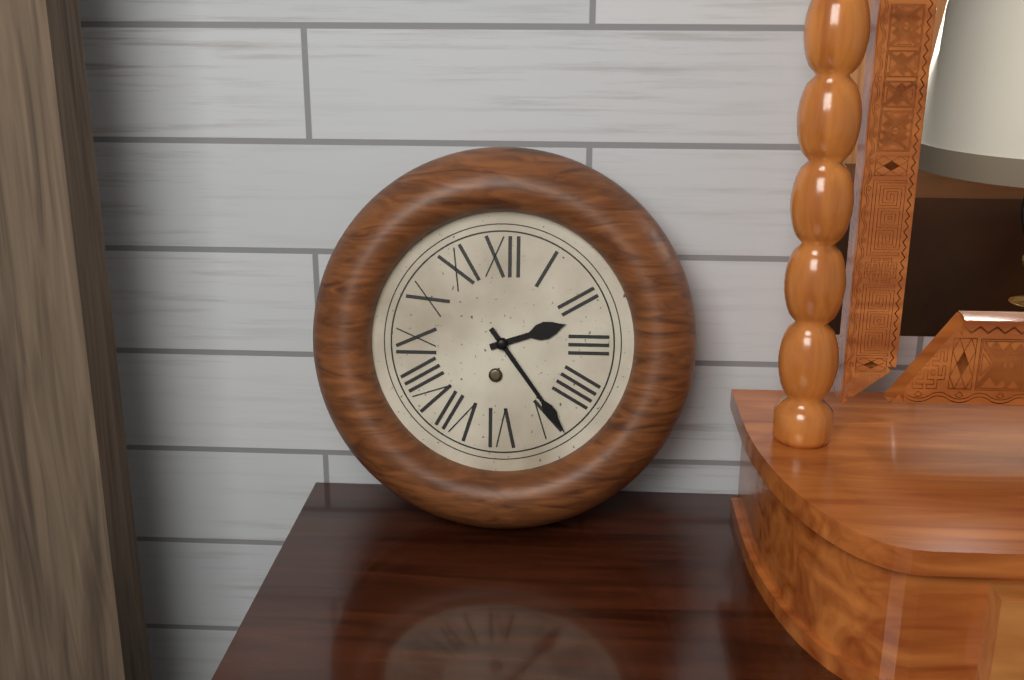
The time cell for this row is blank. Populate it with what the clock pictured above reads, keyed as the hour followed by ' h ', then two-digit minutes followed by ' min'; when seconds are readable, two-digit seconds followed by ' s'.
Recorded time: 2 h 24 min
